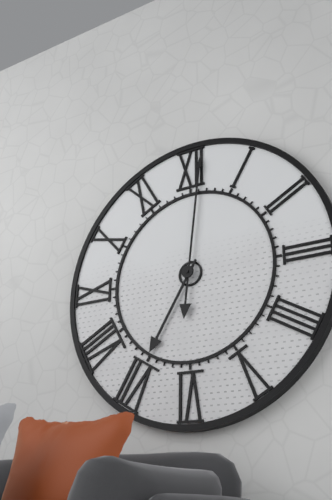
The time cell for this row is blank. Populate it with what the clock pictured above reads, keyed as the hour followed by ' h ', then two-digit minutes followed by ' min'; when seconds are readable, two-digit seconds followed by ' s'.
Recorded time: 7 h 01 min
